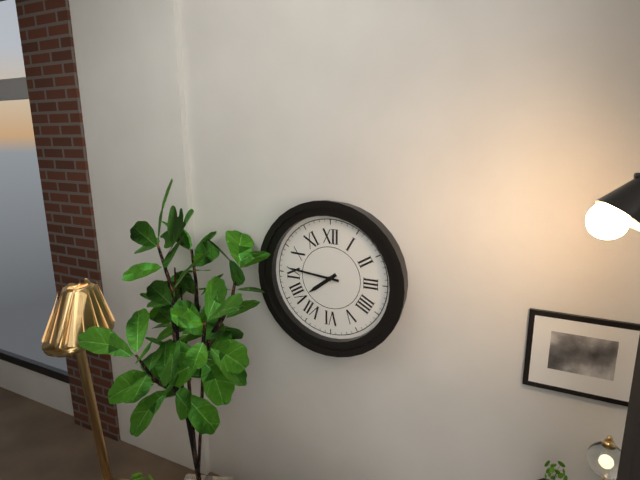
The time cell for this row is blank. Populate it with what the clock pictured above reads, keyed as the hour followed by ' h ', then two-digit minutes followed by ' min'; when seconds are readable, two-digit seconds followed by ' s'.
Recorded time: 7 h 46 min
